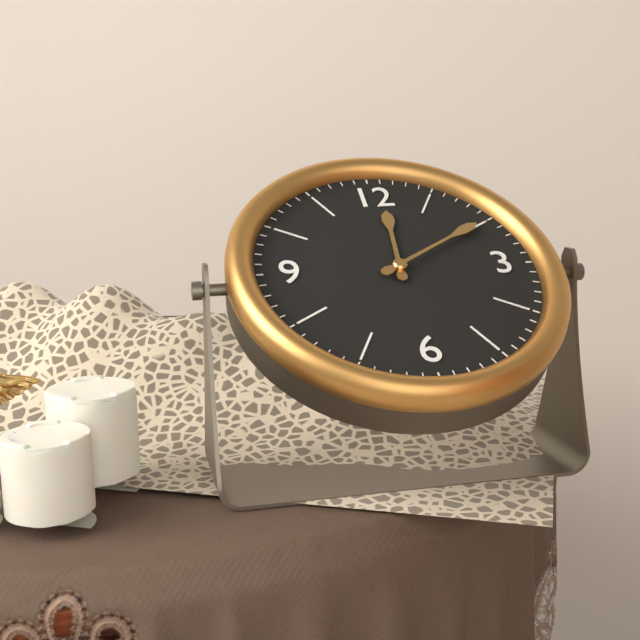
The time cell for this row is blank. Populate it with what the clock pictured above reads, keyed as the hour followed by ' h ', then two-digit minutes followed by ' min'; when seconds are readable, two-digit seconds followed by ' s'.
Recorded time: 12 h 10 min
